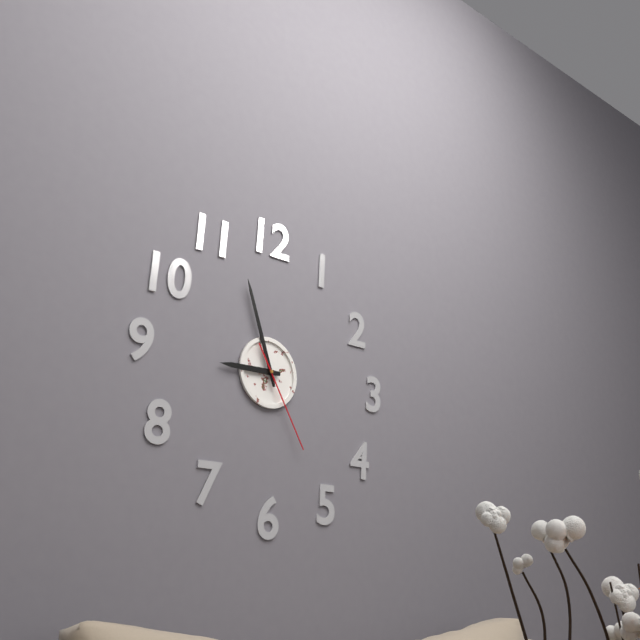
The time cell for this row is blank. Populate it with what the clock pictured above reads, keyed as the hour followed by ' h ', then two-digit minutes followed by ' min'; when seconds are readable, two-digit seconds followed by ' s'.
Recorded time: 8 h 57 min 25 s
